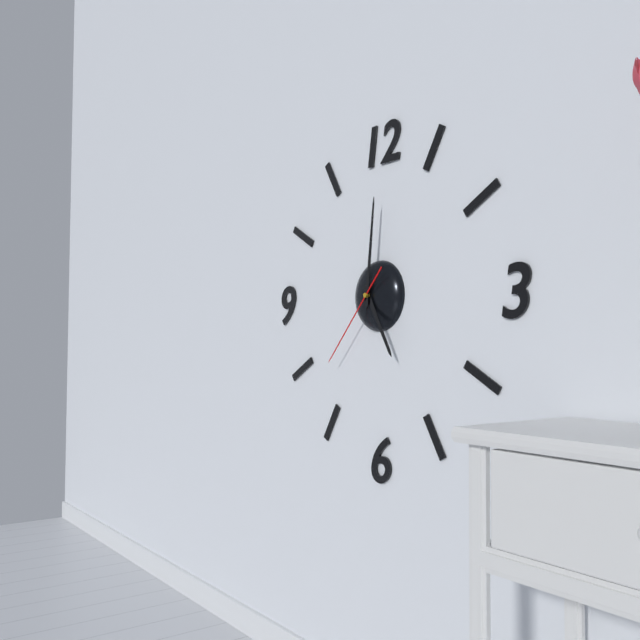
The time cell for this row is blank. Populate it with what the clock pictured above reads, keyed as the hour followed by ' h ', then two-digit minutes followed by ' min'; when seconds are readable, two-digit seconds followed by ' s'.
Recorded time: 5 h 01 min 37 s
